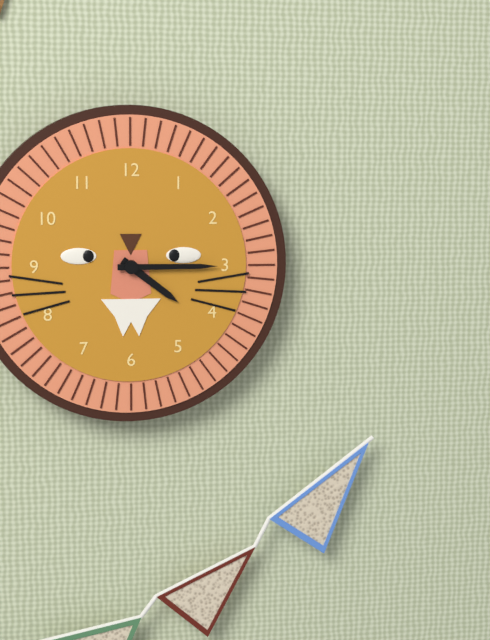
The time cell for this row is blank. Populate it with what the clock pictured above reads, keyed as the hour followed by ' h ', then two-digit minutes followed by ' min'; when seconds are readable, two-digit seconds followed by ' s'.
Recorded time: 4 h 15 min
